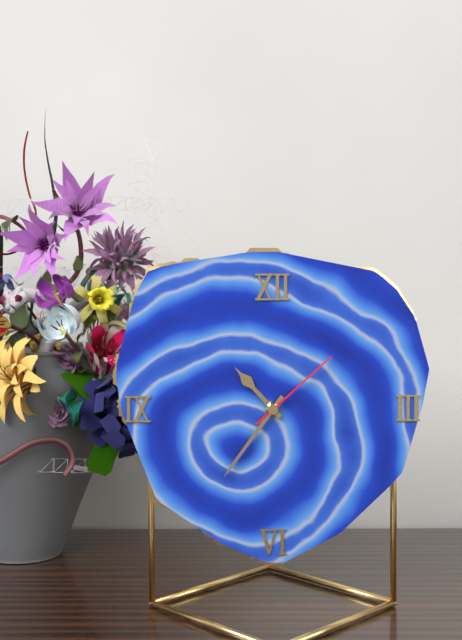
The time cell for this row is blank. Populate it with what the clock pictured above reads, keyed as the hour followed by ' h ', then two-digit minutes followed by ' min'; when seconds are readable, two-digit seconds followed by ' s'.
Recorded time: 10 h 36 min 08 s
